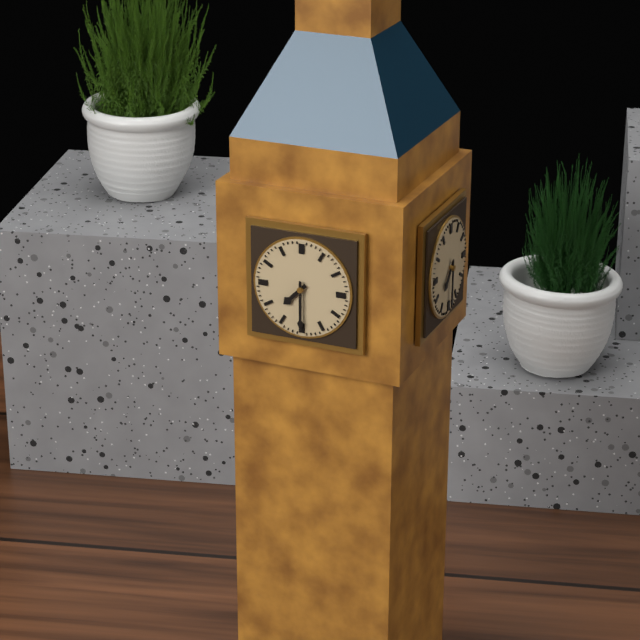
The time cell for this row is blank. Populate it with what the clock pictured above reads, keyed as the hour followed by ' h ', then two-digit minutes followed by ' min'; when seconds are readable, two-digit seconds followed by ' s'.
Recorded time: 7 h 30 min
